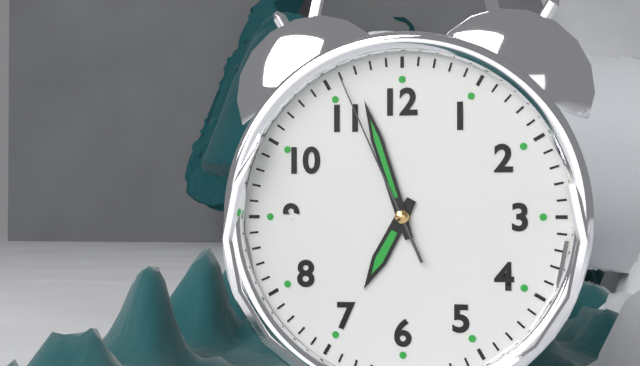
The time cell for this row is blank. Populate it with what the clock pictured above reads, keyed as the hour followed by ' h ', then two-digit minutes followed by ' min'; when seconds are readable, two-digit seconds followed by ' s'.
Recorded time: 6 h 57 min 56 s
